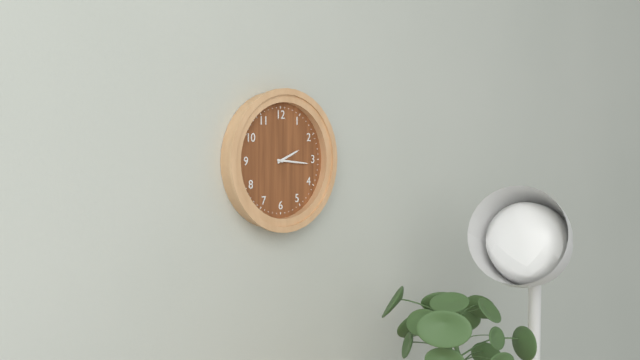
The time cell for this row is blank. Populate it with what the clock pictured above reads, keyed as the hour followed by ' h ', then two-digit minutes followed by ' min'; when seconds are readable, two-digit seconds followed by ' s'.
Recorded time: 2 h 16 min
